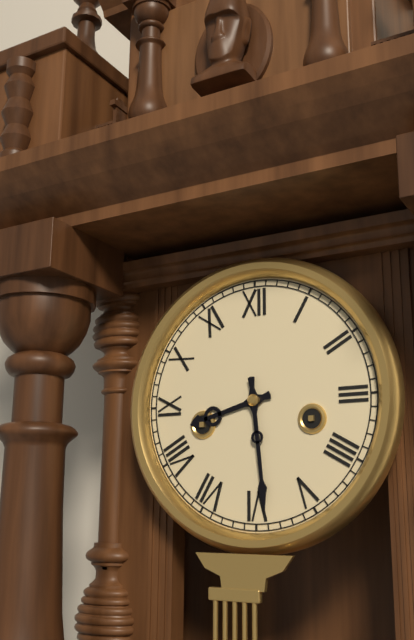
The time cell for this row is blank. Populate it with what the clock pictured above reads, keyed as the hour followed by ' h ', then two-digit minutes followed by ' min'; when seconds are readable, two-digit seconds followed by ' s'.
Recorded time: 8 h 29 min
